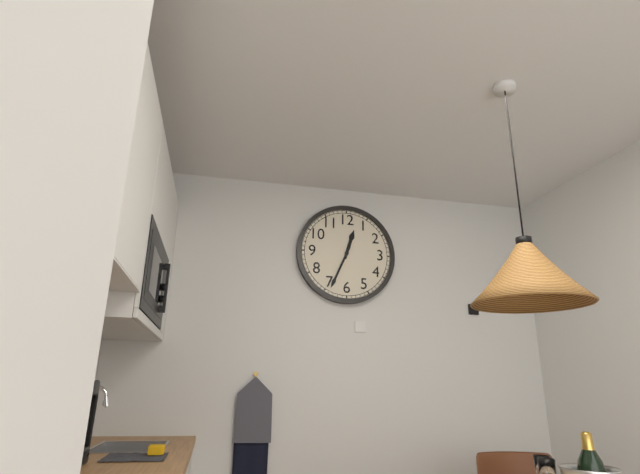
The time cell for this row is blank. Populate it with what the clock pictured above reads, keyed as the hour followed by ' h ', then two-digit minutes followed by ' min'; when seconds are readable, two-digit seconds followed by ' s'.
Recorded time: 12 h 34 min
